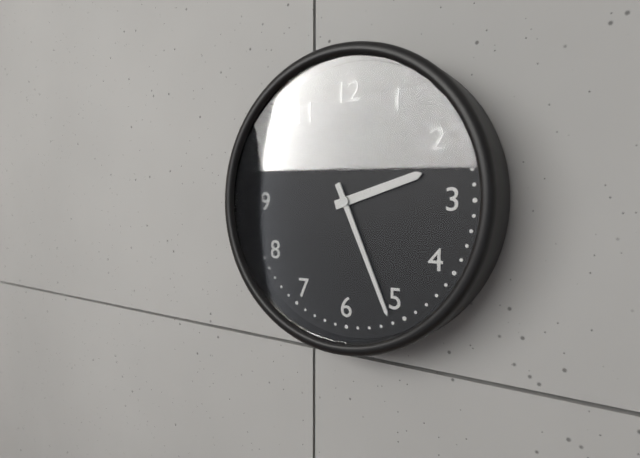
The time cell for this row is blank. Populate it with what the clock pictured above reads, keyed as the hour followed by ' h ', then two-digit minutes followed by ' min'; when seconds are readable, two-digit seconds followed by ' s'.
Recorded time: 2 h 26 min
